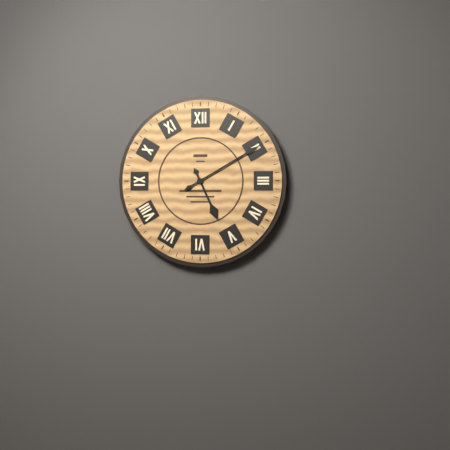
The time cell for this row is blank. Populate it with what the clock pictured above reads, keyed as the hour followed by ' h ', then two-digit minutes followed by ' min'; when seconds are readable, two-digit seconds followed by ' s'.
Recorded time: 5 h 10 min
